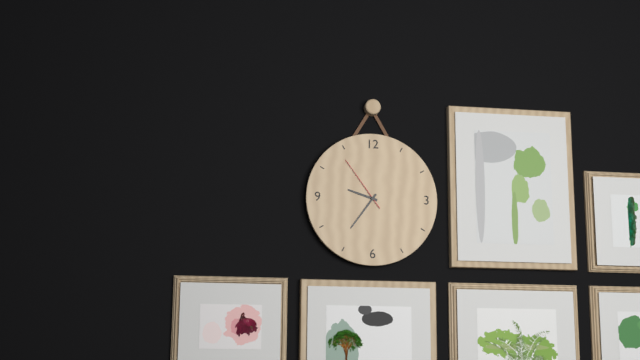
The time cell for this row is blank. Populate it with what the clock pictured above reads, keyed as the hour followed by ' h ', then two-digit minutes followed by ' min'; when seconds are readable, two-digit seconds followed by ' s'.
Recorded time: 9 h 36 min 54 s
